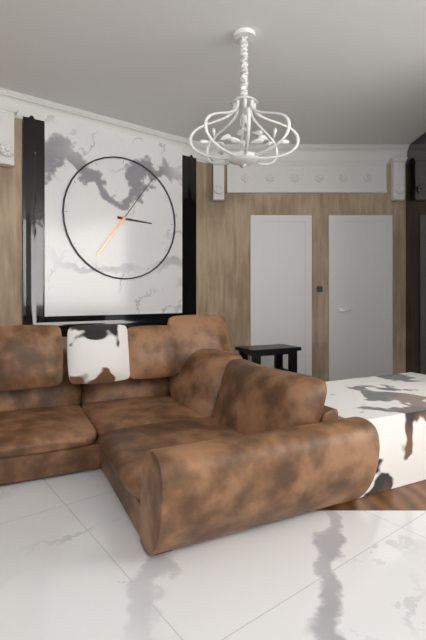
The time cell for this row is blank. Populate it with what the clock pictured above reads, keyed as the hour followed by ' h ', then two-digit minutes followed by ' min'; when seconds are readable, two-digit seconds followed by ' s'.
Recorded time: 3 h 06 min
